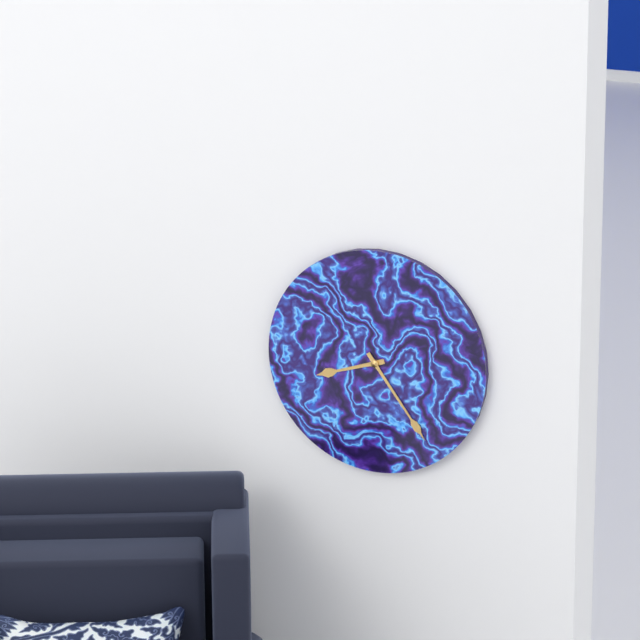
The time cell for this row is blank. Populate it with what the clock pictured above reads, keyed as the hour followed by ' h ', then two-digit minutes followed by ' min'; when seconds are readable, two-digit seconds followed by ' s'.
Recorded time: 8 h 24 min
